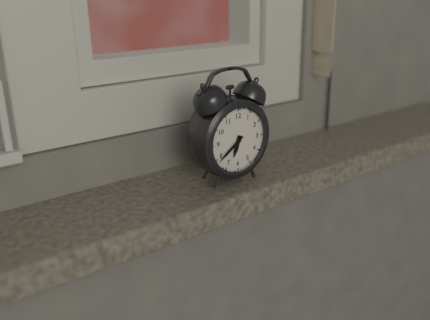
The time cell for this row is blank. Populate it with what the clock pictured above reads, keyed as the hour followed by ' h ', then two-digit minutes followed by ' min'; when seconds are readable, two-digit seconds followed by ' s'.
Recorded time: 6 h 39 min
